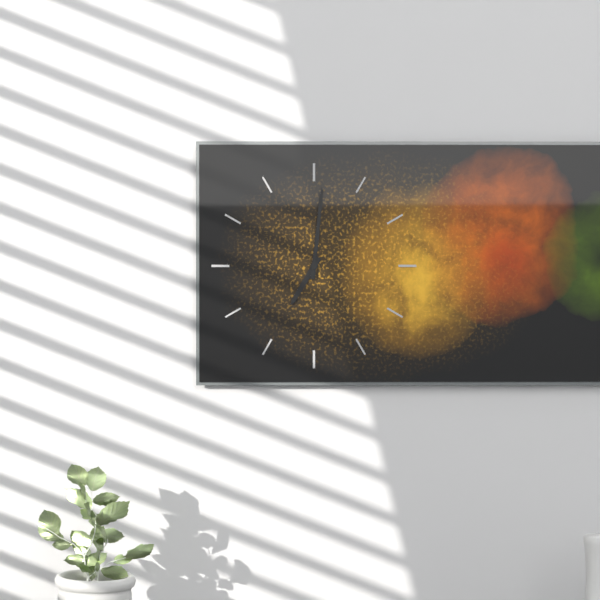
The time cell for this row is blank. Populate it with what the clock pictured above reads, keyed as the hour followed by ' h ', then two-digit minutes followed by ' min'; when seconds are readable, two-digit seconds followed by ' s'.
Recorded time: 7 h 01 min
